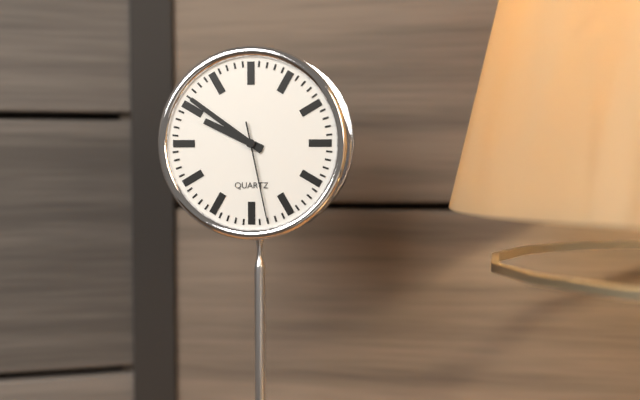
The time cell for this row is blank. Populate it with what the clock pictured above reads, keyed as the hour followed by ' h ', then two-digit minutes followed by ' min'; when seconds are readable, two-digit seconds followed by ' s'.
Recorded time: 9 h 51 min 28 s
